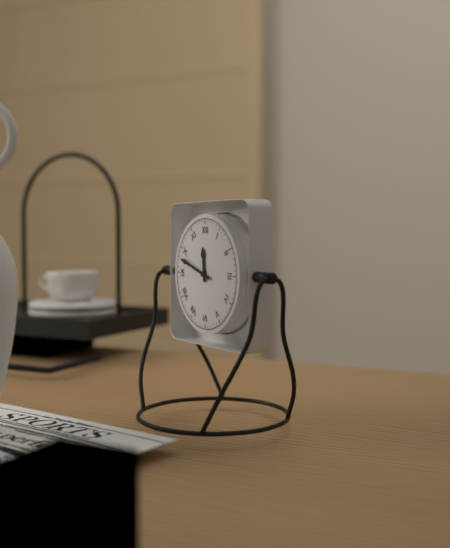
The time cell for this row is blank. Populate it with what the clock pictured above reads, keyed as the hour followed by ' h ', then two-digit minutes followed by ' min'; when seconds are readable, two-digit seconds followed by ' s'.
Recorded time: 11 h 48 min
